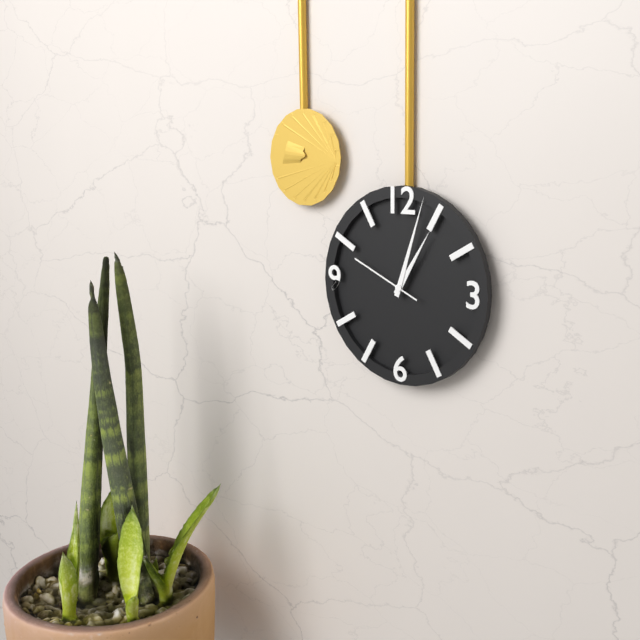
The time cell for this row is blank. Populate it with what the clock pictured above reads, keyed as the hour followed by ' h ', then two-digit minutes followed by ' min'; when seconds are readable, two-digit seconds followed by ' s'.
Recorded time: 1 h 03 min 49 s
